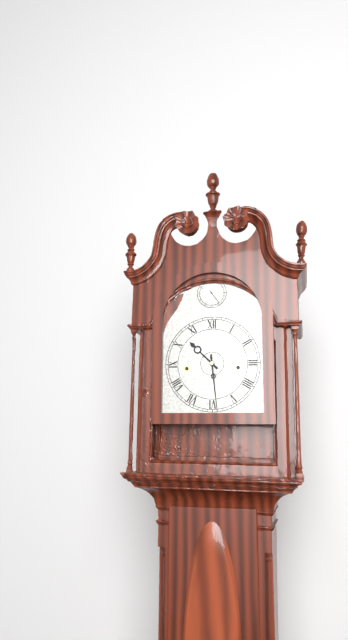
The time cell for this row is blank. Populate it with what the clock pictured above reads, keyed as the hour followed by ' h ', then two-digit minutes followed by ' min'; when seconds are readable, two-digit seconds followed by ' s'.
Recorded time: 10 h 29 min
